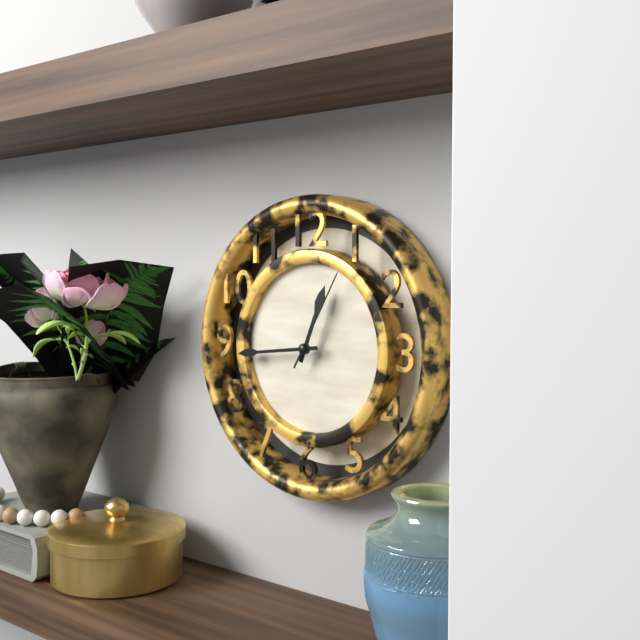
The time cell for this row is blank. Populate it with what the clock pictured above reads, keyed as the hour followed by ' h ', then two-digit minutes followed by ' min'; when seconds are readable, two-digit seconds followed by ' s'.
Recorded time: 12 h 44 min 05 s
